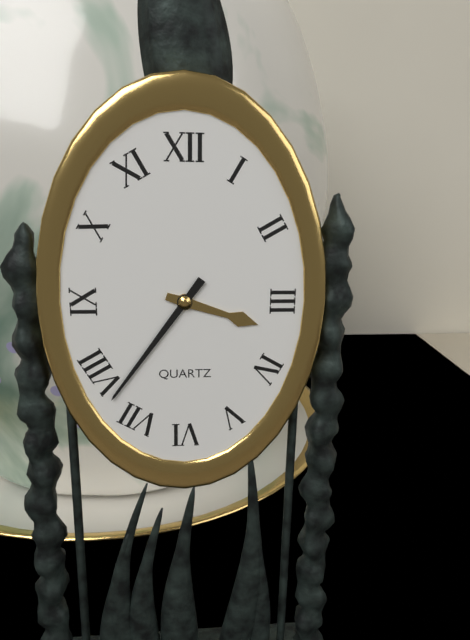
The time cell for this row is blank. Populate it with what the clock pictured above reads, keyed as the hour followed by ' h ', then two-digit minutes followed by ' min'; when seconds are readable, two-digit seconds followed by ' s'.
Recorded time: 3 h 36 min
